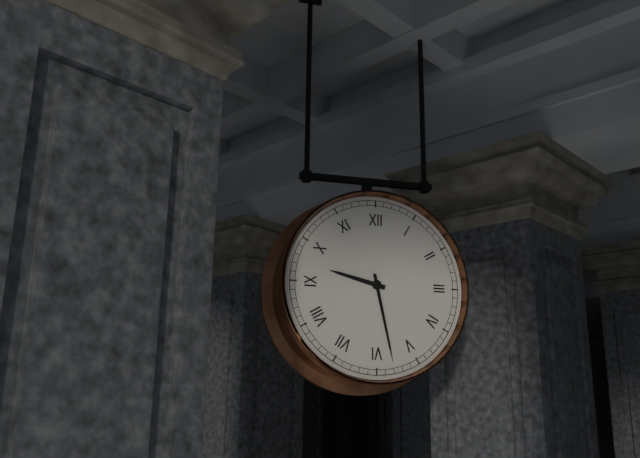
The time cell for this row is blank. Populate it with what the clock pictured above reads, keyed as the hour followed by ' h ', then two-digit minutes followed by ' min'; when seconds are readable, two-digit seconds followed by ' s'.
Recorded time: 9 h 28 min
